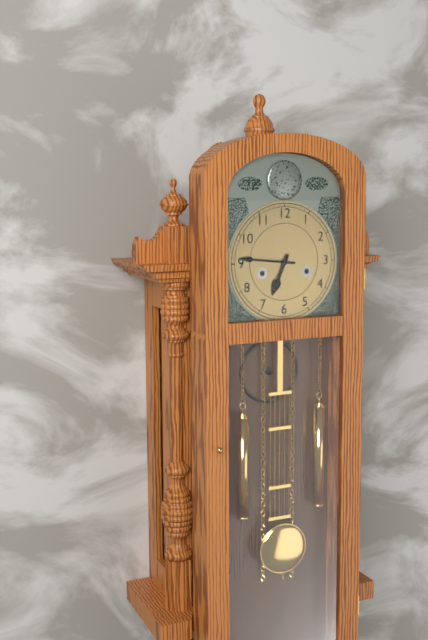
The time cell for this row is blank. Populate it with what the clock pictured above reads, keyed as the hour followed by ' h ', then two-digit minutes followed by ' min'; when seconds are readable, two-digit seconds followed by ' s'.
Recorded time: 6 h 46 min
